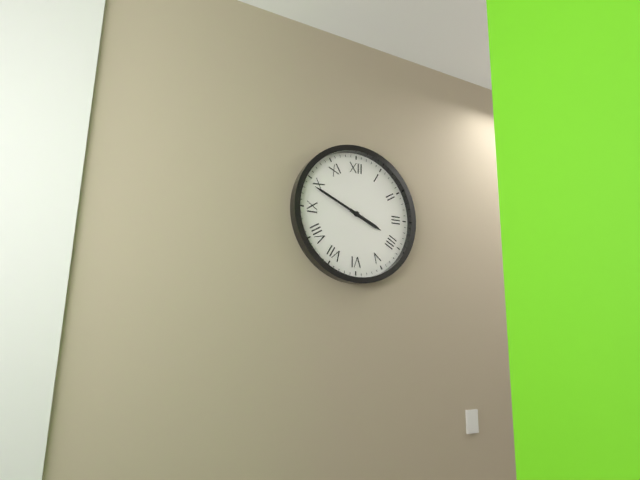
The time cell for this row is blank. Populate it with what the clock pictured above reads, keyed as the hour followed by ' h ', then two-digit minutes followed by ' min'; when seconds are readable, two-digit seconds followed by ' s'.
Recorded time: 3 h 49 min
